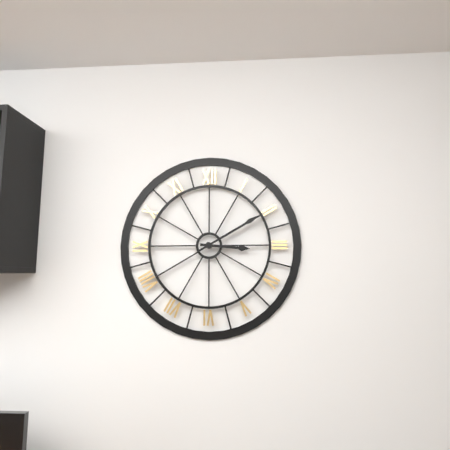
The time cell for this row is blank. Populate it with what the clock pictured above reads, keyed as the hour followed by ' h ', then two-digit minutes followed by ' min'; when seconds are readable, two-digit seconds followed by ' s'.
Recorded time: 3 h 10 min
